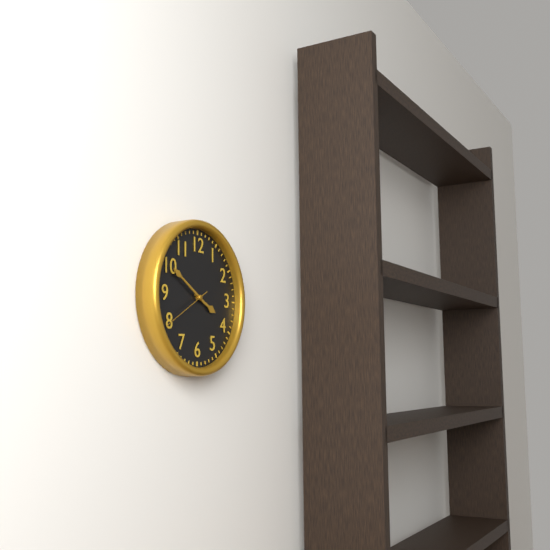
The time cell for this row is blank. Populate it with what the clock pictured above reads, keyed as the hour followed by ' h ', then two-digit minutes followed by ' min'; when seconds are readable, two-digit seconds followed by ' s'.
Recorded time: 3 h 50 min 40 s
